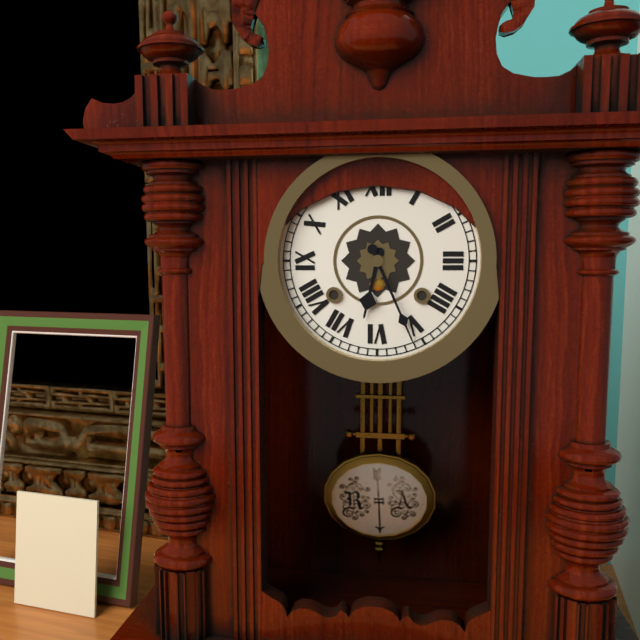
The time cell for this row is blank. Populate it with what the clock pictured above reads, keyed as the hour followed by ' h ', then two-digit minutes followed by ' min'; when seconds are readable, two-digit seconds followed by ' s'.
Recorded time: 6 h 26 min
